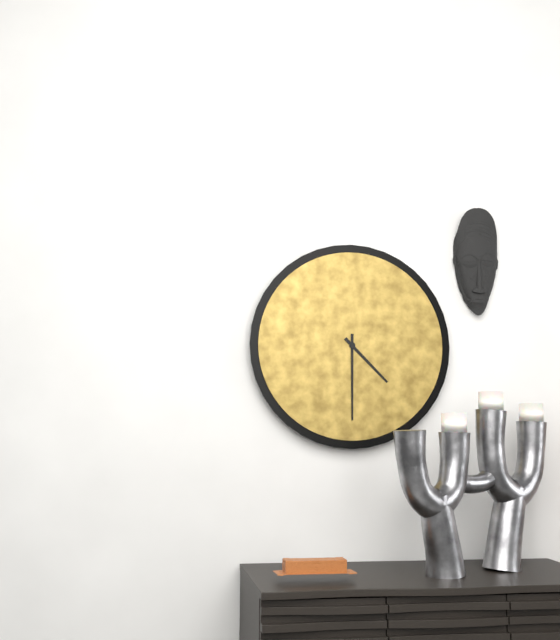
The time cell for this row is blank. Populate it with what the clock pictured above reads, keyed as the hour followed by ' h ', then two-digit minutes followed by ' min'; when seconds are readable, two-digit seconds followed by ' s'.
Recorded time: 4 h 30 min
